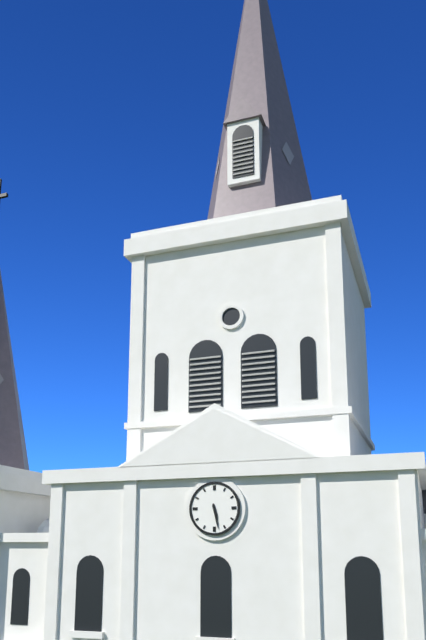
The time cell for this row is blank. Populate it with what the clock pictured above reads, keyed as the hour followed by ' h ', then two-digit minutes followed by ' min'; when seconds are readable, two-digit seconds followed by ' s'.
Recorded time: 5 h 28 min
